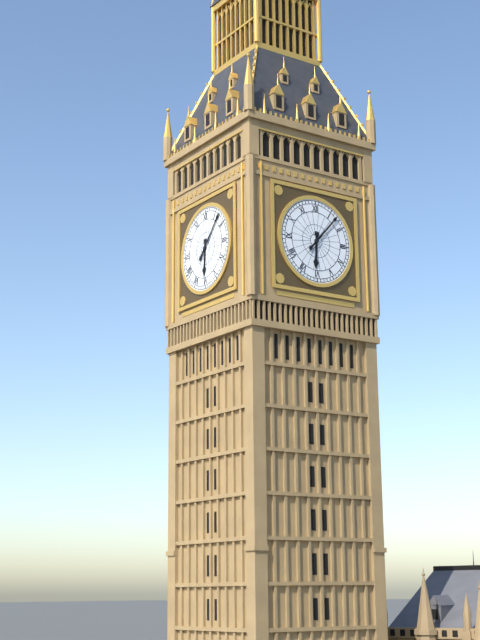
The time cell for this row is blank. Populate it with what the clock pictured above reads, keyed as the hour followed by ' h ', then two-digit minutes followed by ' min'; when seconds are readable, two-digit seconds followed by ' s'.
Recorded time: 6 h 07 min
